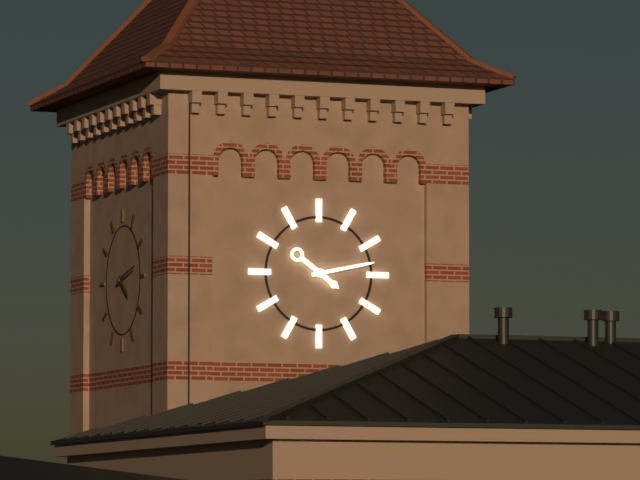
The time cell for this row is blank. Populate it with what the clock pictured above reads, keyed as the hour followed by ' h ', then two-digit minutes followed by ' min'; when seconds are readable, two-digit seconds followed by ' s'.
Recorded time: 4 h 13 min
